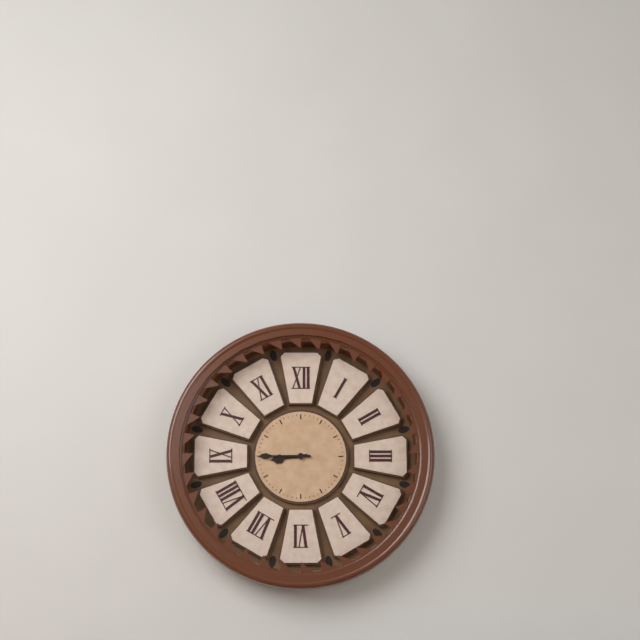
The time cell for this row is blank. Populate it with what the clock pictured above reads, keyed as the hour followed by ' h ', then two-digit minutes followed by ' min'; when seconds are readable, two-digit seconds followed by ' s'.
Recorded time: 8 h 45 min
